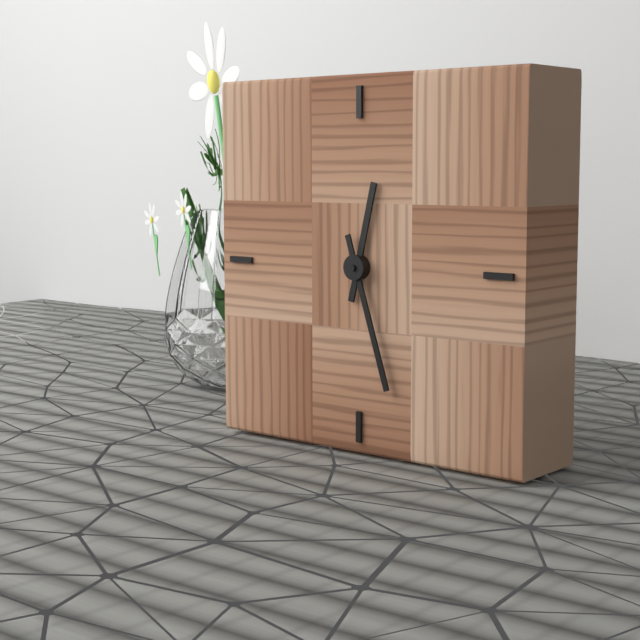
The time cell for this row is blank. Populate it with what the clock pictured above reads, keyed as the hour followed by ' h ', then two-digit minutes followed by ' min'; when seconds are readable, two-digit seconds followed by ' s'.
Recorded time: 12 h 27 min
